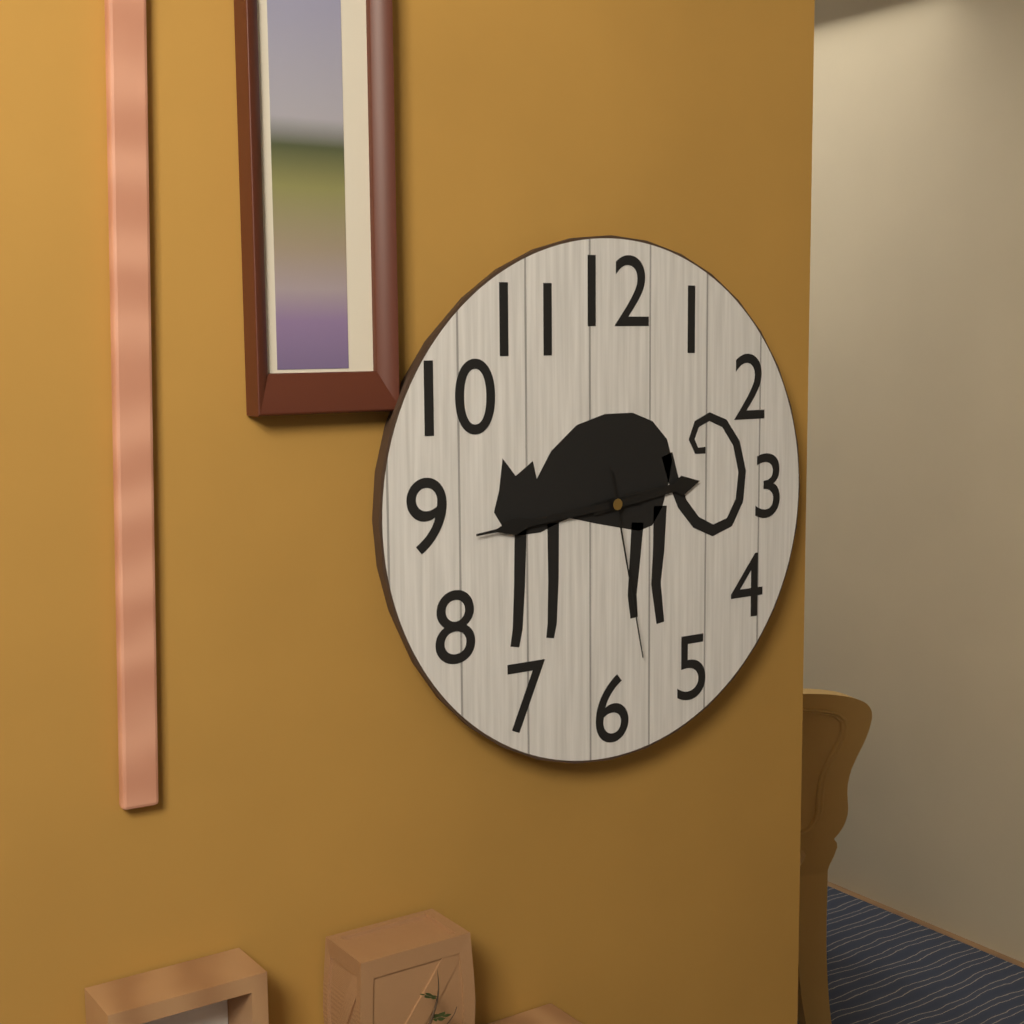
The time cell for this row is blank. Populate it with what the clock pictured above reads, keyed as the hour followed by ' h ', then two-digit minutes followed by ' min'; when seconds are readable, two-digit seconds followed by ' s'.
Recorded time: 2 h 44 min 28 s
